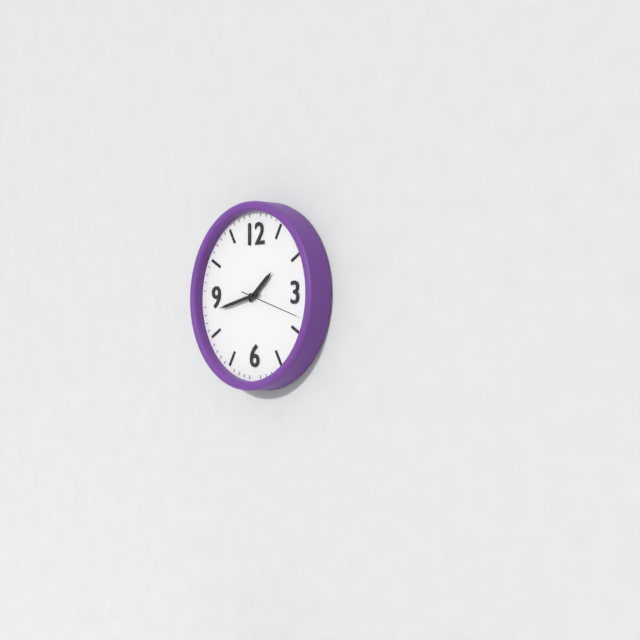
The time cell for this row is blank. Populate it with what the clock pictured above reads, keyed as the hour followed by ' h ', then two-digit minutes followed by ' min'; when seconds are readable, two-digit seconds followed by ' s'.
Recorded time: 1 h 43 min
